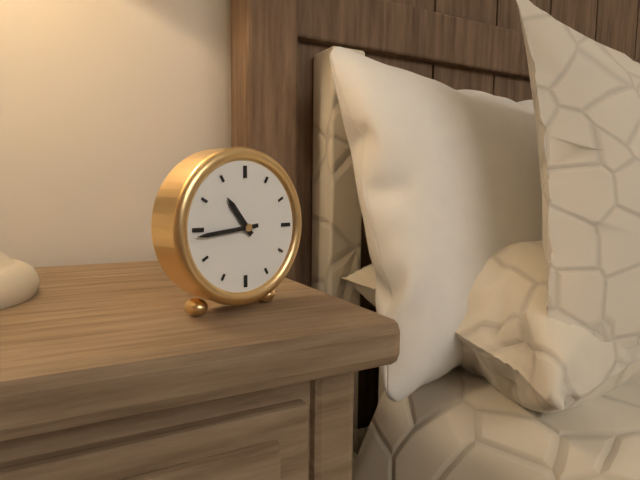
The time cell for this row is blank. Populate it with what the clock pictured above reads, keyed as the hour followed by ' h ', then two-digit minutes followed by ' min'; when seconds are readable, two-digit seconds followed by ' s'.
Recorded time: 10 h 44 min
